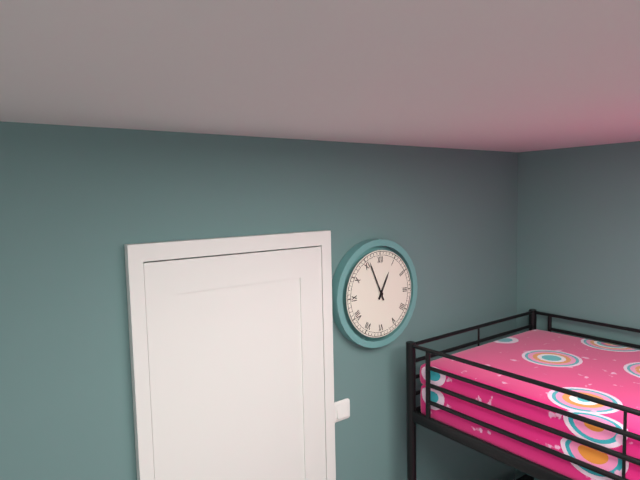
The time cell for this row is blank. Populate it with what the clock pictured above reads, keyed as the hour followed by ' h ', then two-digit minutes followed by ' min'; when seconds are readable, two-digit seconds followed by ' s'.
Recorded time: 12 h 56 min
